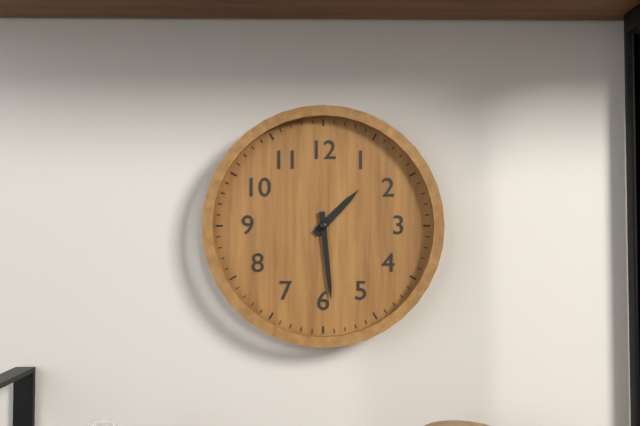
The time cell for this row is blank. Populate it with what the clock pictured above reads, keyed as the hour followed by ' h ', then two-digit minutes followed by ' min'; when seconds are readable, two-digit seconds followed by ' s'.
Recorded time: 1 h 29 min
